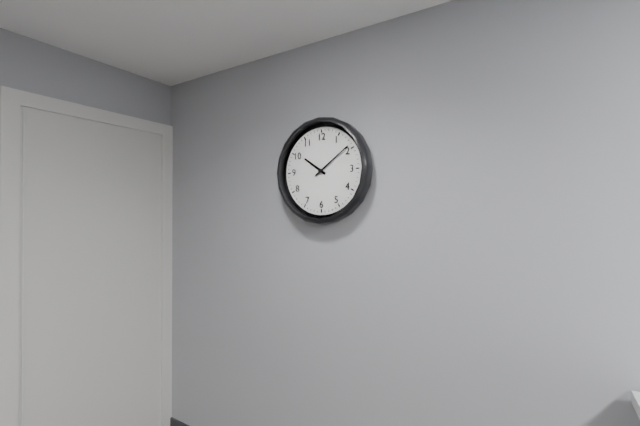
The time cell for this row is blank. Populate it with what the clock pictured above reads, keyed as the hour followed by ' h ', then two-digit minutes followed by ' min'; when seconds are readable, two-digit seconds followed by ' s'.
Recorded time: 10 h 09 min
